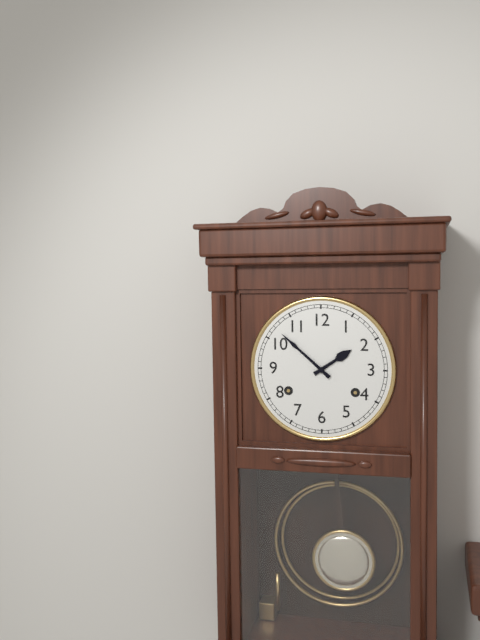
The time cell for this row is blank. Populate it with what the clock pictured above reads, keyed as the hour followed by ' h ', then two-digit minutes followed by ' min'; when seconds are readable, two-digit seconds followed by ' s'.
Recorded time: 1 h 52 min
